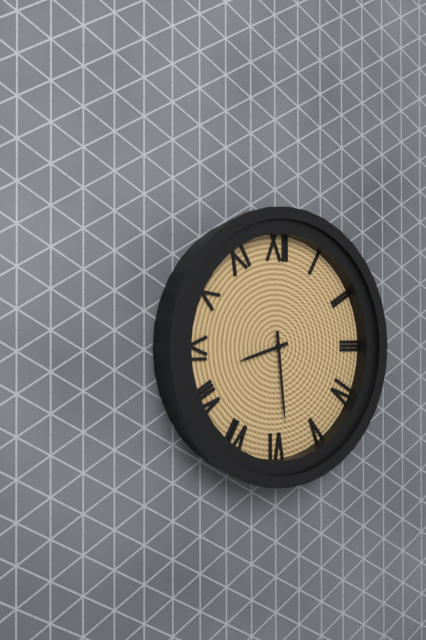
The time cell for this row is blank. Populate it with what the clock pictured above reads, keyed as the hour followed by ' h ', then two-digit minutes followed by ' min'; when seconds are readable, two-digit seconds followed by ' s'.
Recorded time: 8 h 29 min
